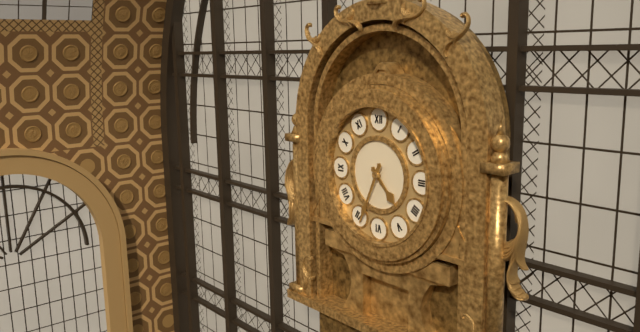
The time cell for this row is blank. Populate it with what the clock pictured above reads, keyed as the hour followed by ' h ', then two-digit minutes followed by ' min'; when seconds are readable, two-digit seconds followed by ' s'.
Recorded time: 4 h 34 min
